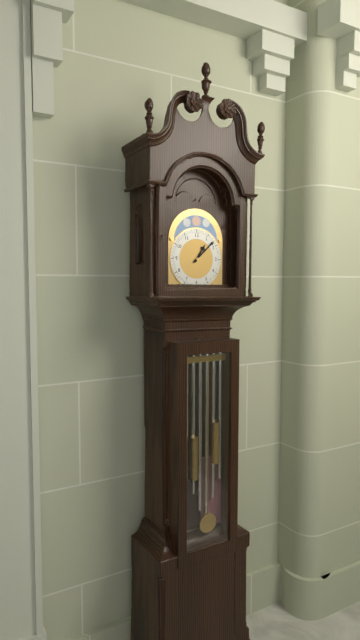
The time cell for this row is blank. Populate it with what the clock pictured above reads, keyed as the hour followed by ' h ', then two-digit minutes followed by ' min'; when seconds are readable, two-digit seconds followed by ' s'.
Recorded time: 1 h 08 min
